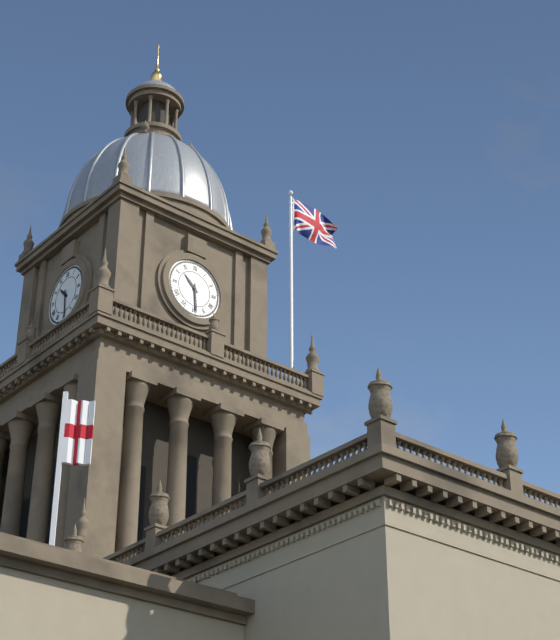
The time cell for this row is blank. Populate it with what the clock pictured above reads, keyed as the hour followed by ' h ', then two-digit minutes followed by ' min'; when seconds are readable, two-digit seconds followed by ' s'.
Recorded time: 10 h 29 min
